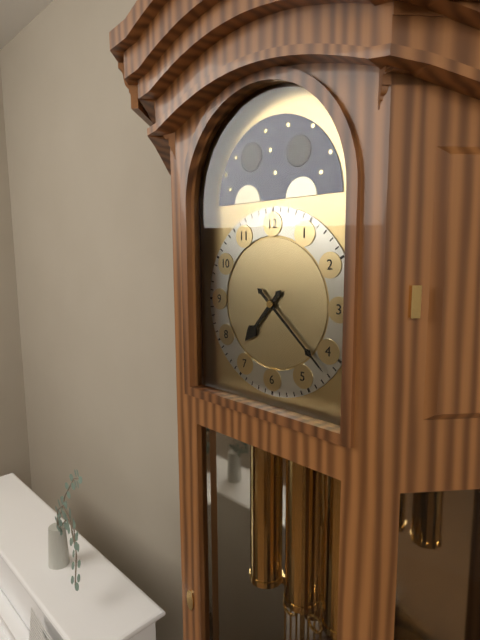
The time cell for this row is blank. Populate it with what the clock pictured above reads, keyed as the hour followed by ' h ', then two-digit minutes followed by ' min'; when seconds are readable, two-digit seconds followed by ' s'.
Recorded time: 7 h 22 min
